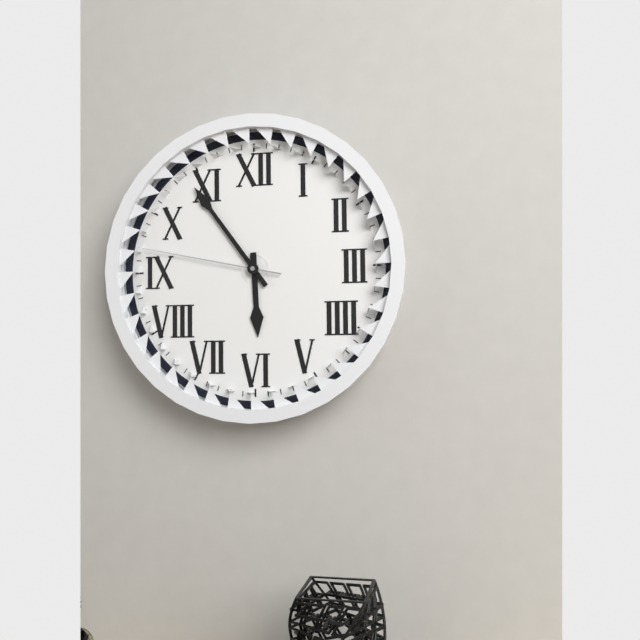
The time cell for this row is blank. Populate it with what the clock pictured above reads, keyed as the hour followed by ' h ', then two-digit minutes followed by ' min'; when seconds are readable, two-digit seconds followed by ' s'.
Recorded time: 5 h 54 min 47 s
